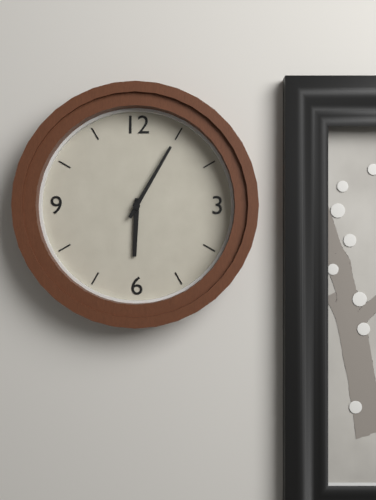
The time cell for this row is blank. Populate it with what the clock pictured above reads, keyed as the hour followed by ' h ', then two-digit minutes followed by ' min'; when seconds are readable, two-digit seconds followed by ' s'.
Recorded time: 6 h 05 min
